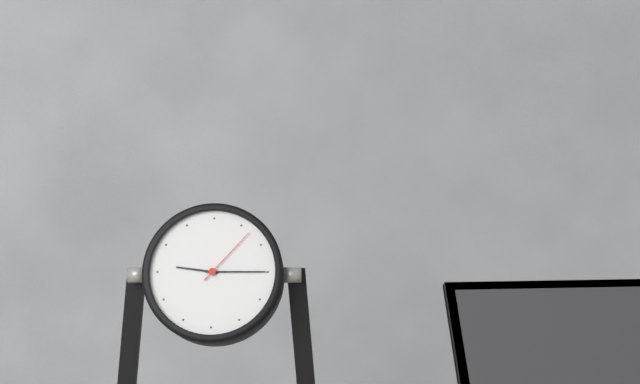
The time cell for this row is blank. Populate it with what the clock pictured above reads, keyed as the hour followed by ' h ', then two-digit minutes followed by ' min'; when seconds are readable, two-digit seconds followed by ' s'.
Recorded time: 9 h 15 min 07 s
